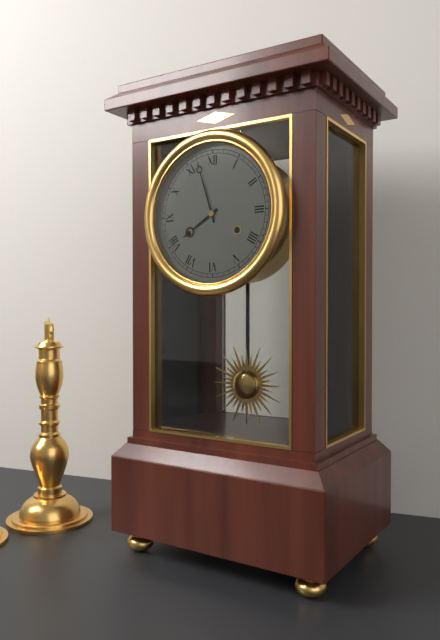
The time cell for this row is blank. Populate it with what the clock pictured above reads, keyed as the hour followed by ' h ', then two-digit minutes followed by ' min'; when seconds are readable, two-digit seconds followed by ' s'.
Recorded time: 7 h 57 min
